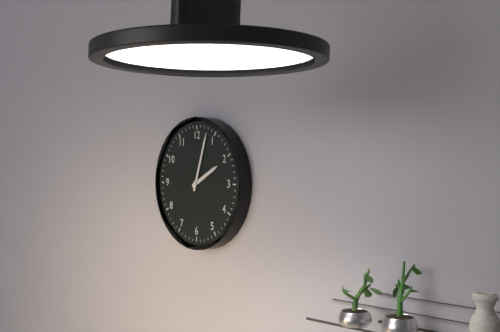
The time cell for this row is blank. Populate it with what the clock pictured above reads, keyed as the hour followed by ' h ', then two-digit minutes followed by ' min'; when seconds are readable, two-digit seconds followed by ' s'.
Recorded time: 2 h 03 min
